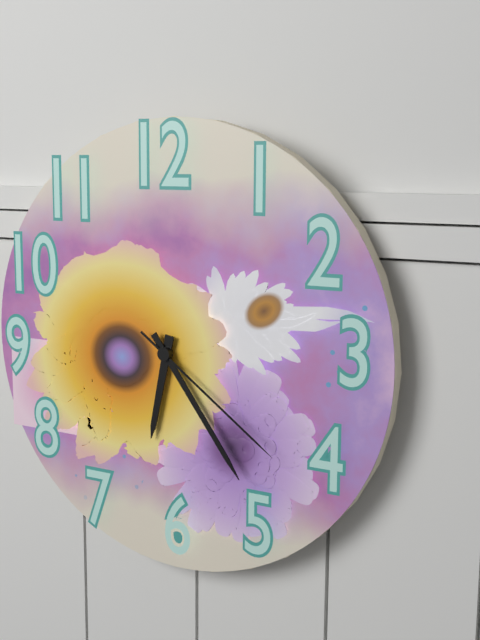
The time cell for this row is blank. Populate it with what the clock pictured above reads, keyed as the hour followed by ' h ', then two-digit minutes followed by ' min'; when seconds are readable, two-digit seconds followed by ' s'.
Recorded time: 6 h 24 min 21 s
